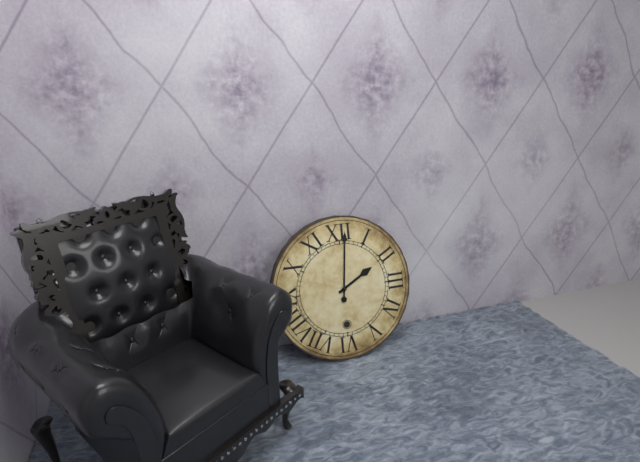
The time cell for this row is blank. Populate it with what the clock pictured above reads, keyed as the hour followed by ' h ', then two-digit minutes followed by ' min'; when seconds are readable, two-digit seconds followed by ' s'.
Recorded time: 2 h 01 min
